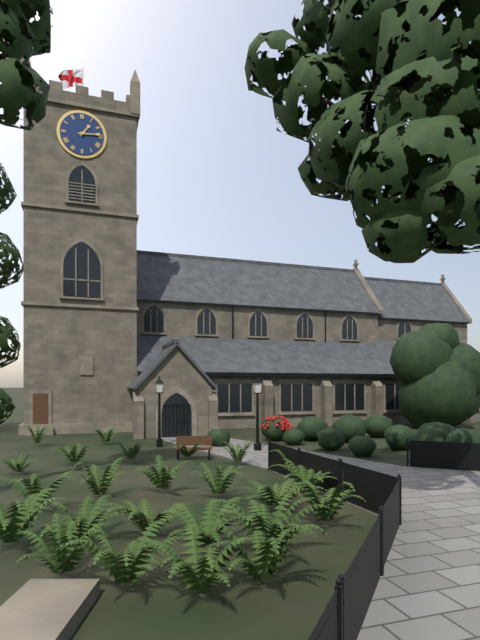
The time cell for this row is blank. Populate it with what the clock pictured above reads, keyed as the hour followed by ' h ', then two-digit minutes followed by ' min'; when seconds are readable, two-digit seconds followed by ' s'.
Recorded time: 1 h 14 min
